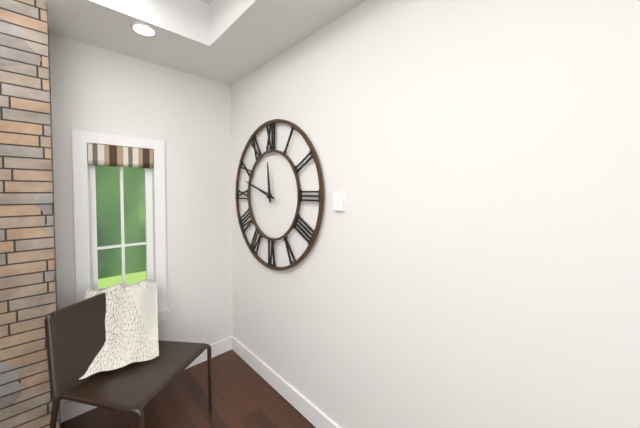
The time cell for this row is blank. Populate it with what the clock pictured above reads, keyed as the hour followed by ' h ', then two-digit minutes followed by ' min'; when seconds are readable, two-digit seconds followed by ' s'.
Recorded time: 11 h 48 min
